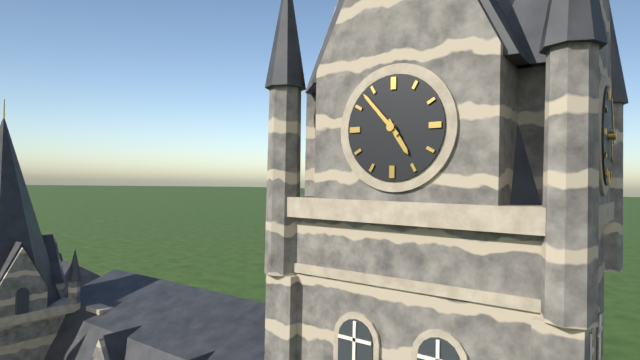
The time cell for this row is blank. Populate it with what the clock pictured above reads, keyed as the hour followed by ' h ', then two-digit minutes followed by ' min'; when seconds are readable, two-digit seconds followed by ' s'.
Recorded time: 4 h 53 min
